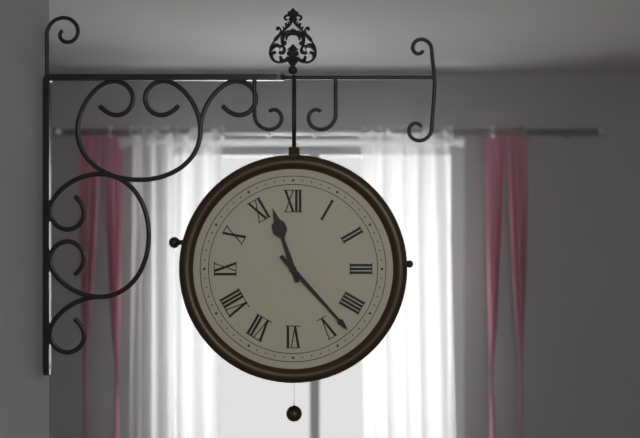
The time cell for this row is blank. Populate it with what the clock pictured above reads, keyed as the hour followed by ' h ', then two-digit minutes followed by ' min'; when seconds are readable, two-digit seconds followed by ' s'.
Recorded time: 11 h 23 min
